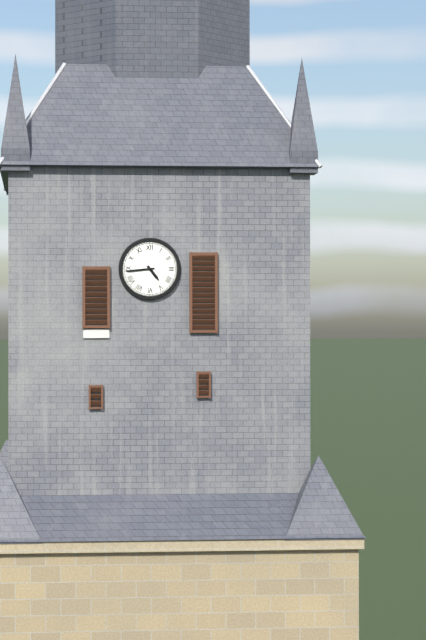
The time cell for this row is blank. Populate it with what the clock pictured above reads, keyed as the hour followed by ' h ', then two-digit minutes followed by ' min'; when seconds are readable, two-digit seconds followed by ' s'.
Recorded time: 4 h 44 min
